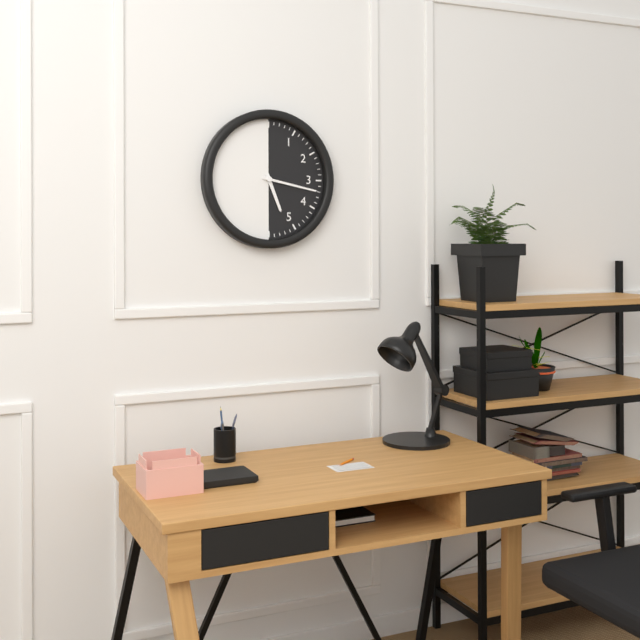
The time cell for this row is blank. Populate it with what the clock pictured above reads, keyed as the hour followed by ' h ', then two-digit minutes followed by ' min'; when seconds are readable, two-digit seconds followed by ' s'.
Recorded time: 5 h 17 min
